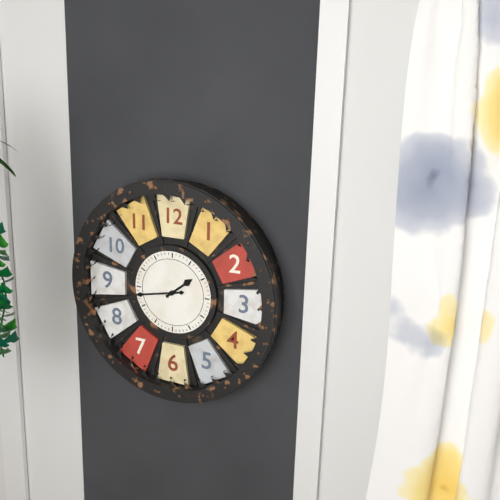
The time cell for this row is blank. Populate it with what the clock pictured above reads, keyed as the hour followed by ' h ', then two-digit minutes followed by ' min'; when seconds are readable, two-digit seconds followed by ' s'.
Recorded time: 1 h 43 min
